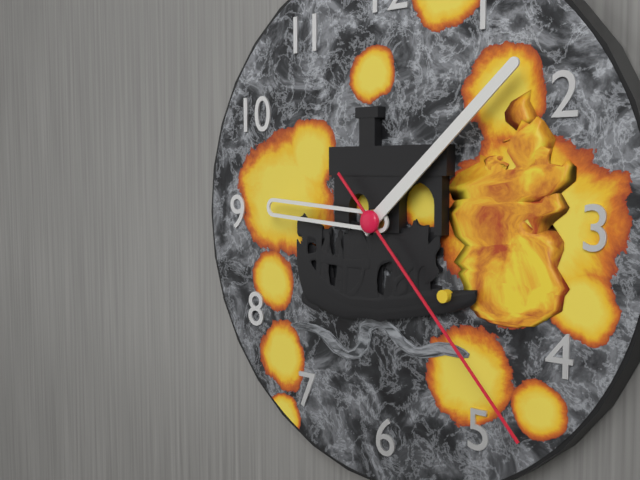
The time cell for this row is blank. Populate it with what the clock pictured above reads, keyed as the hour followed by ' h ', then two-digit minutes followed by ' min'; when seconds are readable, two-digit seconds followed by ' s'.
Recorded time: 9 h 08 min 23 s
